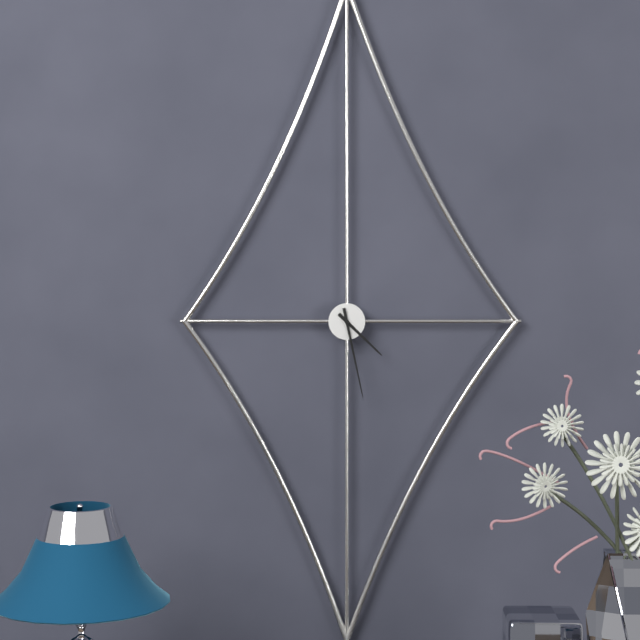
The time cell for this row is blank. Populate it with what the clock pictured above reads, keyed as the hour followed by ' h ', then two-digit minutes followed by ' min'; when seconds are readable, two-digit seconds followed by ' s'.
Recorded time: 4 h 28 min
